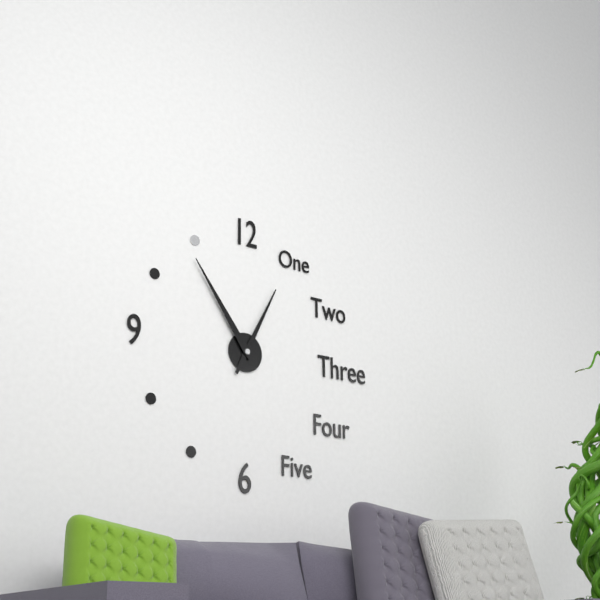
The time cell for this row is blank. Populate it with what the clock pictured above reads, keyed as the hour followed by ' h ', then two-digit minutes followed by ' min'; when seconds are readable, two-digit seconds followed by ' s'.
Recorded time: 12 h 54 min
